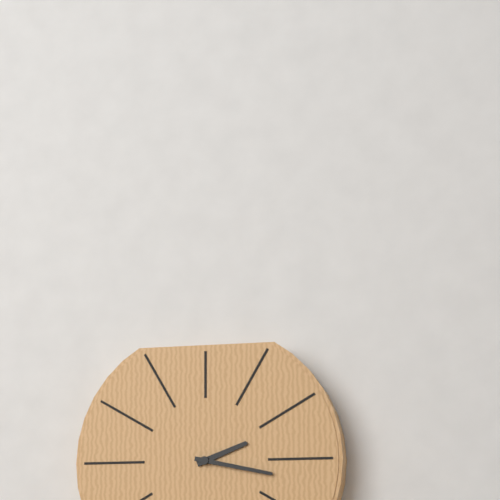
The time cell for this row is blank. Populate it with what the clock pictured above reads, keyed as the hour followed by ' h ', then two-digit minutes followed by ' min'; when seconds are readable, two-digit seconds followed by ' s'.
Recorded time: 2 h 17 min
